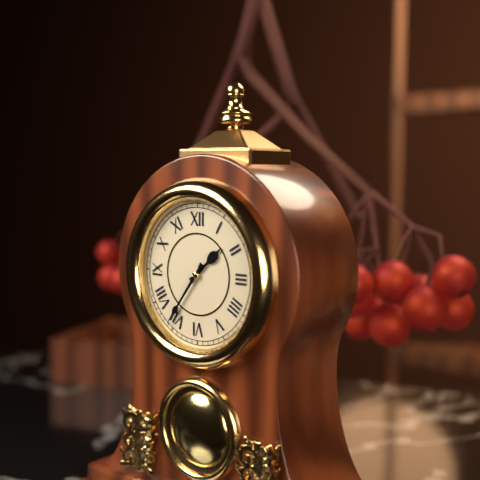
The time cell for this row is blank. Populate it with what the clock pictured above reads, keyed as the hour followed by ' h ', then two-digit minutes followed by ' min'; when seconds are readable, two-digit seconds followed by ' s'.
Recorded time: 1 h 36 min
